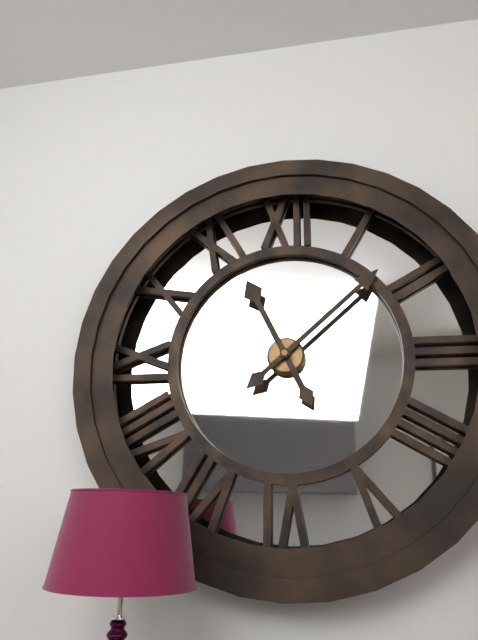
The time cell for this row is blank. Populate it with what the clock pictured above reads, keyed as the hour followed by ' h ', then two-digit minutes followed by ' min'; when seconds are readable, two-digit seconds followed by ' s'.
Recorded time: 11 h 08 min
